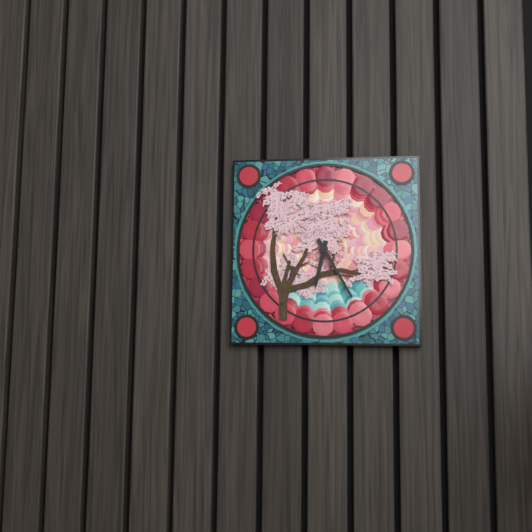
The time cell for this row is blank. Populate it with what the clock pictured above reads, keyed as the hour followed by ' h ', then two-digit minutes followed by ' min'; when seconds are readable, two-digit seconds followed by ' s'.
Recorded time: 6 h 25 min
